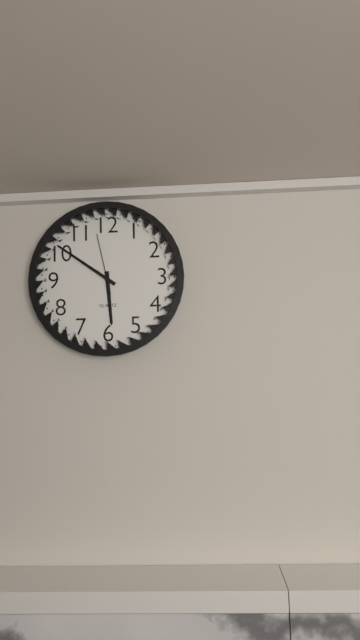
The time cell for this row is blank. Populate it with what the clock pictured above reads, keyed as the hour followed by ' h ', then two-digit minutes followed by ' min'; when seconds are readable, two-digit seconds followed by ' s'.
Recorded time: 5 h 51 min 58 s
